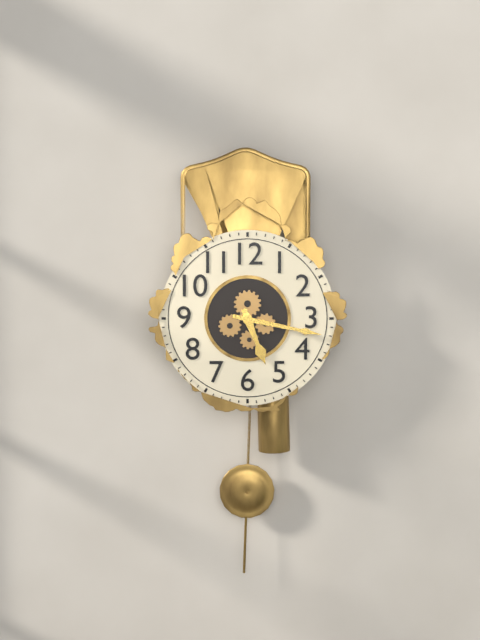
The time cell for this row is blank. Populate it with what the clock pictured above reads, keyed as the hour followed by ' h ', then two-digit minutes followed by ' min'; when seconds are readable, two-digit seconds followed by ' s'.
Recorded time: 5 h 17 min
